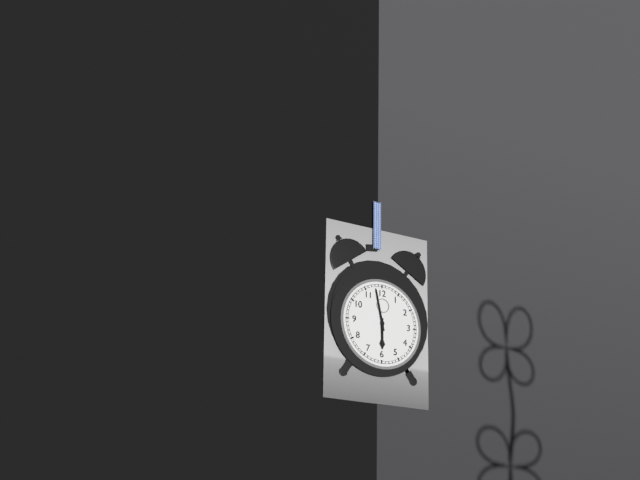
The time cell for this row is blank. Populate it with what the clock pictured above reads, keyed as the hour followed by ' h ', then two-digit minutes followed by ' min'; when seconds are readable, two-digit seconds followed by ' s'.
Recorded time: 5 h 58 min
